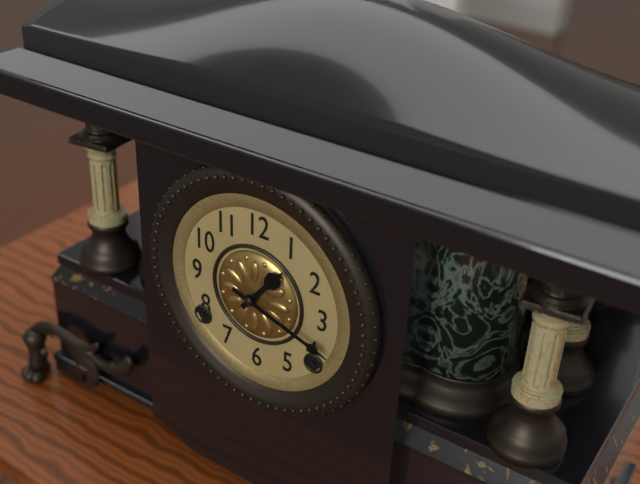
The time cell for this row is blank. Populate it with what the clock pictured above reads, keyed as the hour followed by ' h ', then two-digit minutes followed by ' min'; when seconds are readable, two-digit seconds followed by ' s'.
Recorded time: 1 h 18 min
